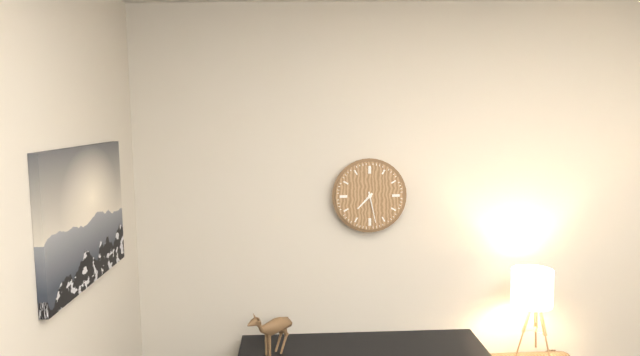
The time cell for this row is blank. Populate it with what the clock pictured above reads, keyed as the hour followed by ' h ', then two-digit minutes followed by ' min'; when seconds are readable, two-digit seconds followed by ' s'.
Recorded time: 7 h 28 min
